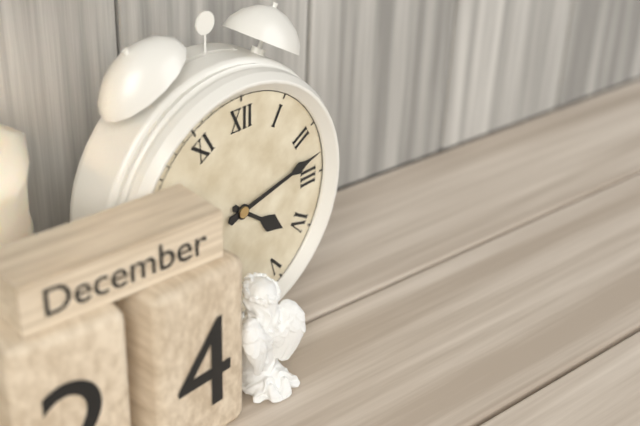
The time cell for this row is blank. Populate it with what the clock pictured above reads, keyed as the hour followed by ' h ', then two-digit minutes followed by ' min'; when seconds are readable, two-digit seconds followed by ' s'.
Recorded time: 4 h 13 min
